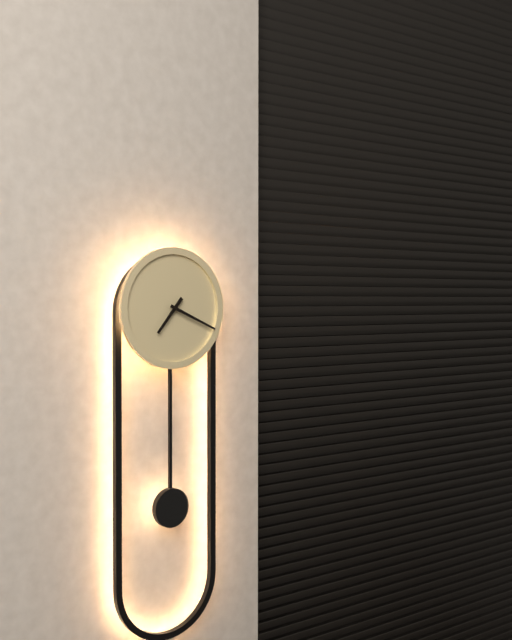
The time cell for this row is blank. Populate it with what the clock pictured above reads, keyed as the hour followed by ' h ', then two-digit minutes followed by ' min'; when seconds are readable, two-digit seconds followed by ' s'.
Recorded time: 7 h 19 min
